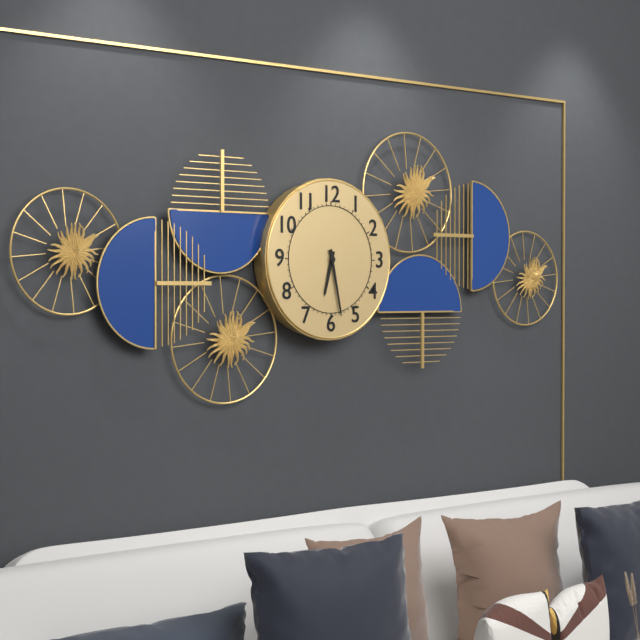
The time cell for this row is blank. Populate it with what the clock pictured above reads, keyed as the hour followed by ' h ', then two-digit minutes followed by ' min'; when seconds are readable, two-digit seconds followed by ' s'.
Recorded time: 6 h 28 min
